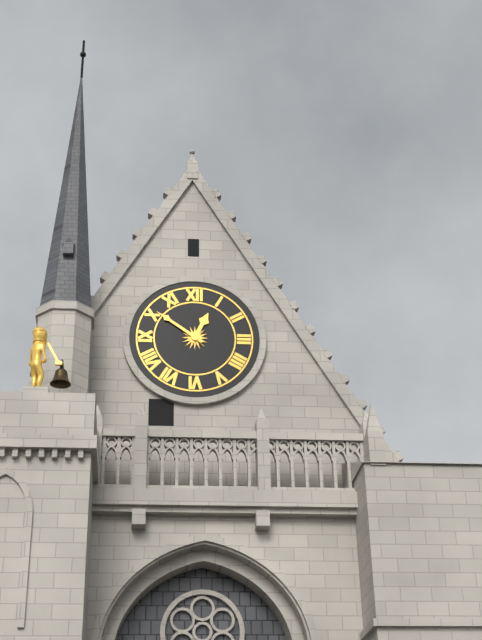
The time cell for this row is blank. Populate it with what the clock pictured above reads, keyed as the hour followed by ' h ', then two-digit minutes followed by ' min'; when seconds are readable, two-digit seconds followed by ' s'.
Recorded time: 12 h 51 min
